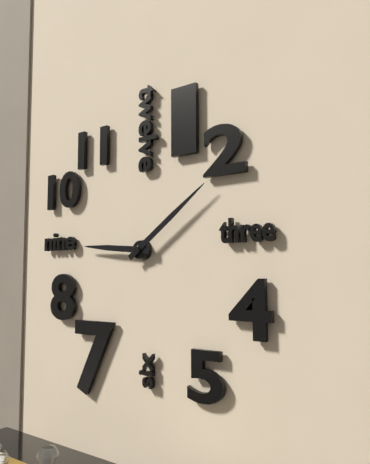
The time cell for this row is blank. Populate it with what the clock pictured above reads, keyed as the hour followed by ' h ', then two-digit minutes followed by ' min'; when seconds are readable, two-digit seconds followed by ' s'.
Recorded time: 9 h 09 min
